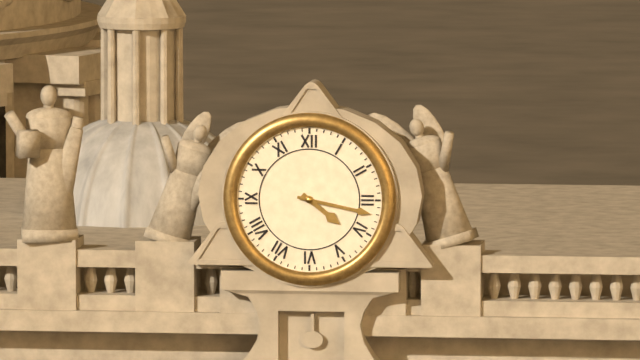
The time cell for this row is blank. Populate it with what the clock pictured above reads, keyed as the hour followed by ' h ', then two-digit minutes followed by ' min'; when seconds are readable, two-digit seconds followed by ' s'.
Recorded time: 4 h 17 min
